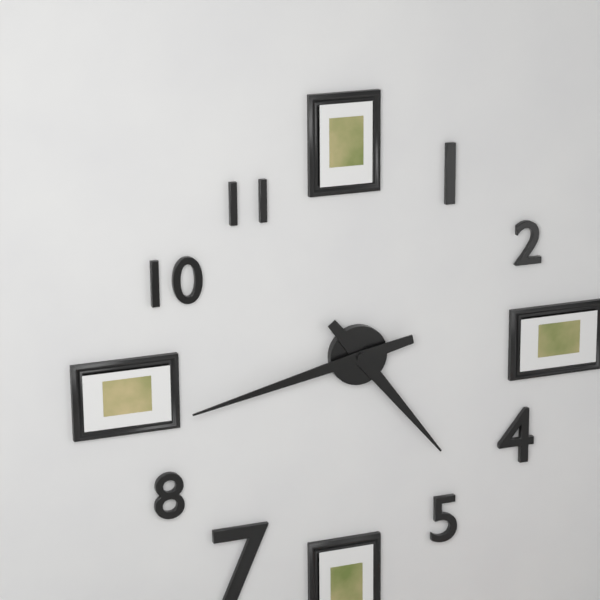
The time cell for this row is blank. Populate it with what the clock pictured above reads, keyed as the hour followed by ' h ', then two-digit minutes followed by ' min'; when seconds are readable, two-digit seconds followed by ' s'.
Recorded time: 4 h 43 min
